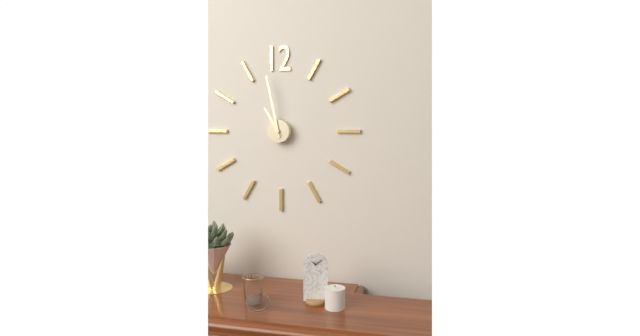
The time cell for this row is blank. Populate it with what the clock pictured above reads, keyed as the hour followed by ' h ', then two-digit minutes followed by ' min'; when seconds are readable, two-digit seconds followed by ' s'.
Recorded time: 10 h 58 min
